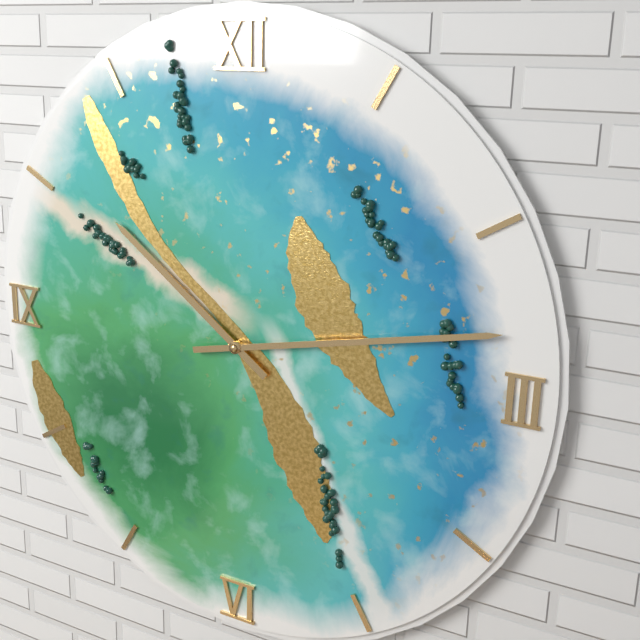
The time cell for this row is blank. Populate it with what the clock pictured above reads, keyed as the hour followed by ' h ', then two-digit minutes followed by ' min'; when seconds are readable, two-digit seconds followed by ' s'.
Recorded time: 10 h 13 min
